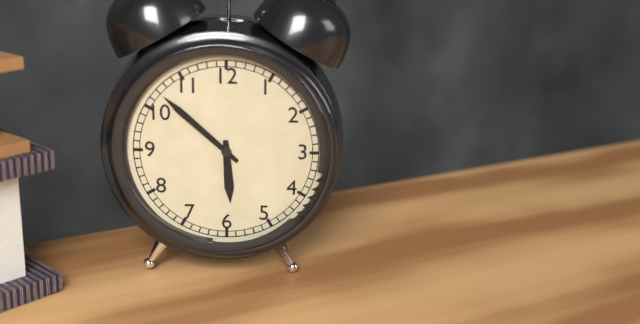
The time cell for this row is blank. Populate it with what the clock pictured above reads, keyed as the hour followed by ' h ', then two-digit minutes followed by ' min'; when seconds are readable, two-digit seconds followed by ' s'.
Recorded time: 5 h 52 min
